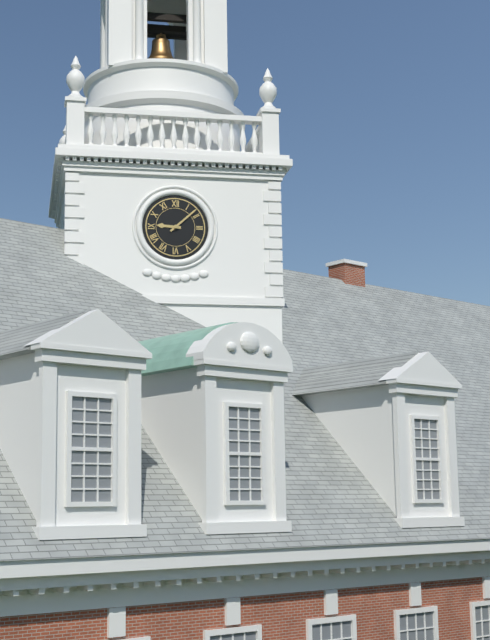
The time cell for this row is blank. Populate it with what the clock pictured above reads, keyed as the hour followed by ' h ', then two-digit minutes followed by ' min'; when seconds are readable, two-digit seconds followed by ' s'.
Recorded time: 9 h 08 min
